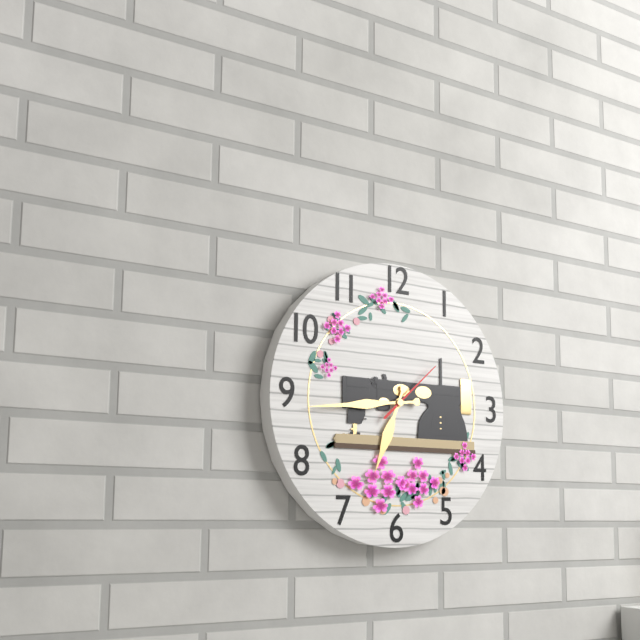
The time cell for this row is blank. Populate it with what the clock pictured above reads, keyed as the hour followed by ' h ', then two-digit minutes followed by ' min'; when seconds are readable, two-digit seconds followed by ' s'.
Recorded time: 6 h 44 min 08 s
